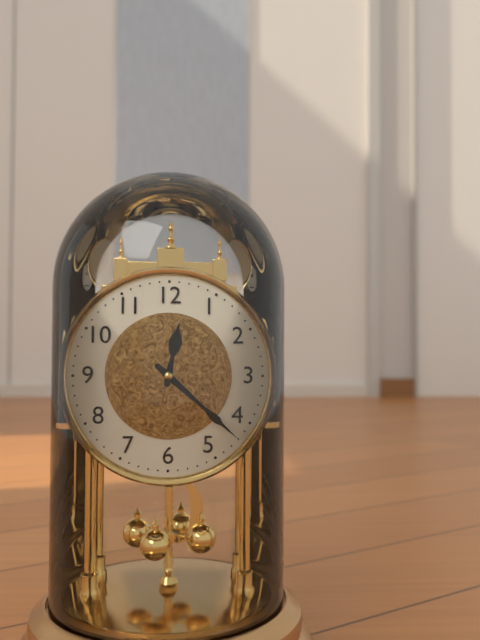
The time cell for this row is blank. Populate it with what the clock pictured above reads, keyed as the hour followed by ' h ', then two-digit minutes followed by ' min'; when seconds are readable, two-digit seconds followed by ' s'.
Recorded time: 12 h 22 min
